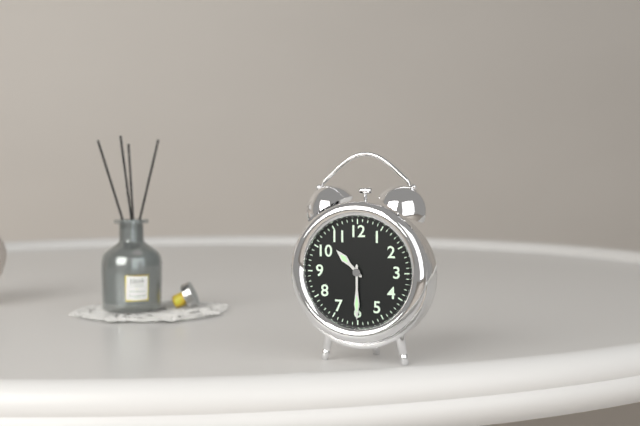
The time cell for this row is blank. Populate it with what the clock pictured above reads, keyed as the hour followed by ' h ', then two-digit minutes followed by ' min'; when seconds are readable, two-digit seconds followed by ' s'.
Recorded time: 10 h 30 min
